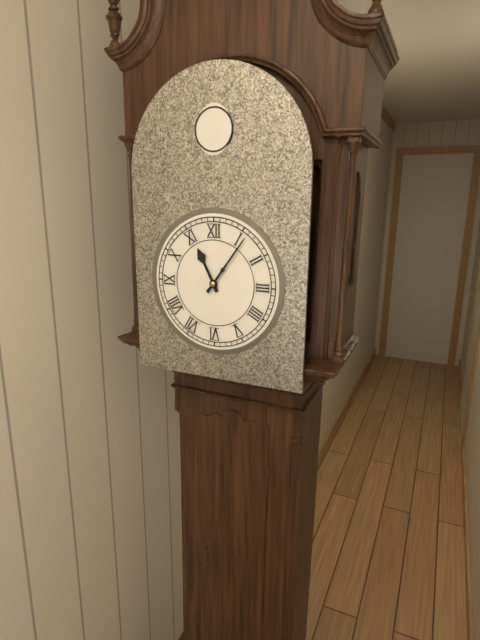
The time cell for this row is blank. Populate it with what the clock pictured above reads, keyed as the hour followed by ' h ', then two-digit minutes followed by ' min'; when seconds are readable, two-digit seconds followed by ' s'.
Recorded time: 11 h 06 min
